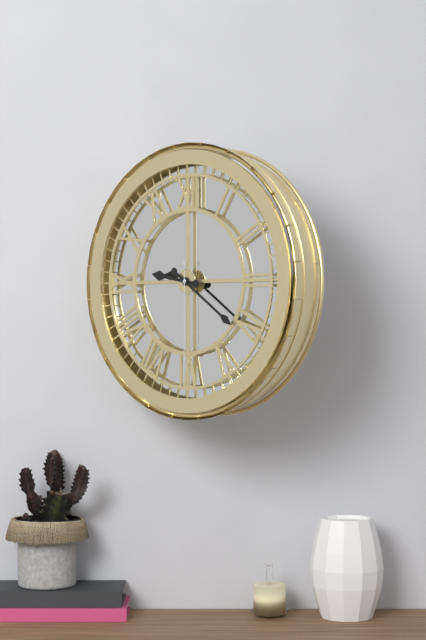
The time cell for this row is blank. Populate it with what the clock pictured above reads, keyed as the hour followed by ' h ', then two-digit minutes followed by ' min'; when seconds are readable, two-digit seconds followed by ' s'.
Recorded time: 9 h 21 min 30 s
